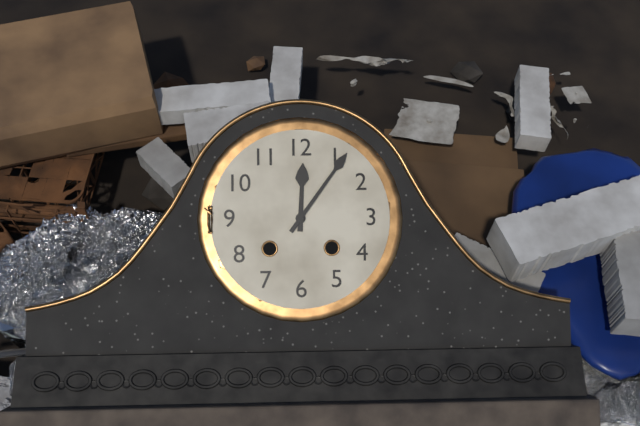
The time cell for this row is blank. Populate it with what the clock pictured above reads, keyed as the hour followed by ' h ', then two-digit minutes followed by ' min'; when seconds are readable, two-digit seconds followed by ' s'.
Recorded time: 12 h 06 min
